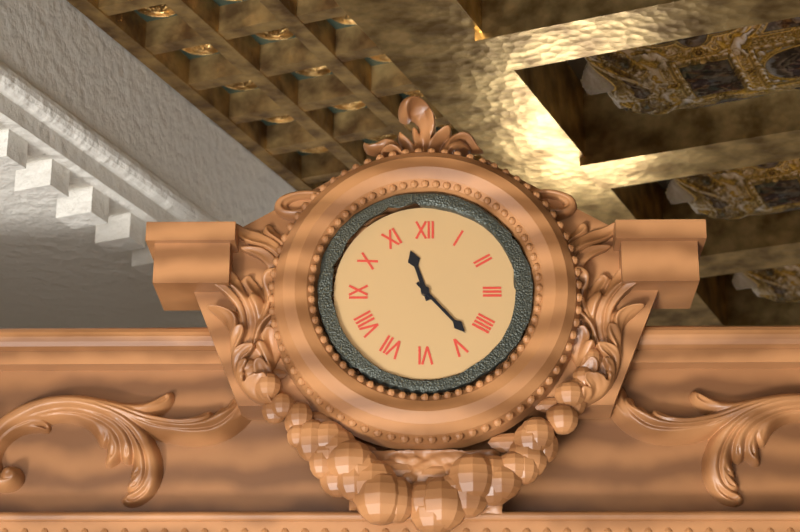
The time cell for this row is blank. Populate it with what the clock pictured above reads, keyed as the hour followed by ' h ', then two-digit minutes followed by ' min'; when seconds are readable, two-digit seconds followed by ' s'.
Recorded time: 11 h 23 min
